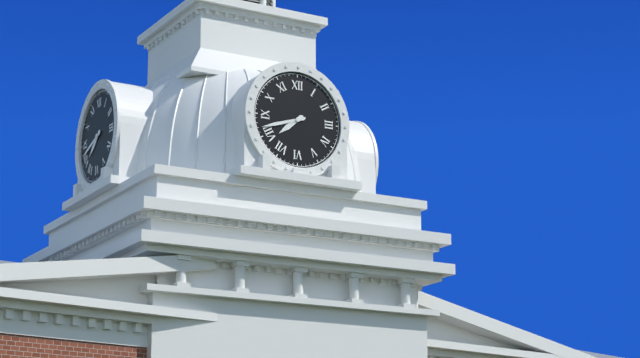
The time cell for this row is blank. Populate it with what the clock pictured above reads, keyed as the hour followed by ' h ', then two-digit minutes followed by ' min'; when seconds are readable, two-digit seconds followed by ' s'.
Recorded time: 7 h 42 min
